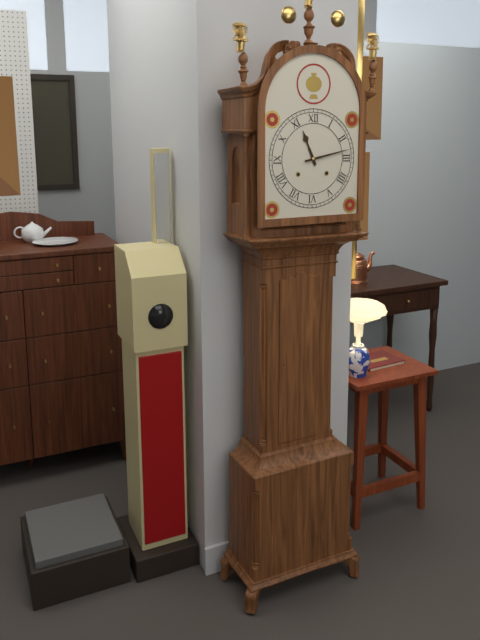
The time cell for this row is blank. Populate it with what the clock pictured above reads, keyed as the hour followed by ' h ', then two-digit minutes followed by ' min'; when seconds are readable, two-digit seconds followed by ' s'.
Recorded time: 11 h 13 min
